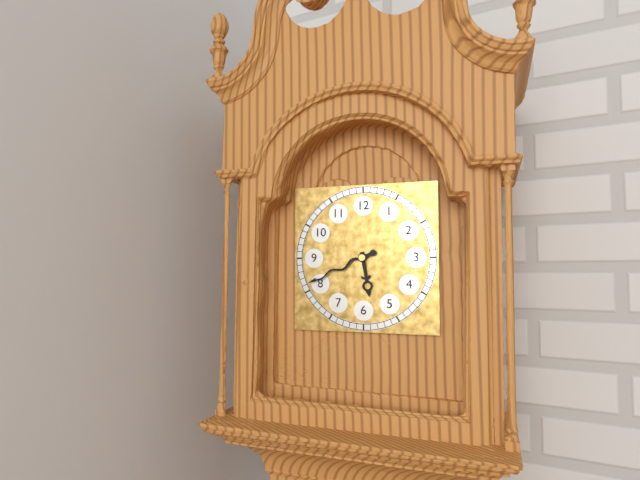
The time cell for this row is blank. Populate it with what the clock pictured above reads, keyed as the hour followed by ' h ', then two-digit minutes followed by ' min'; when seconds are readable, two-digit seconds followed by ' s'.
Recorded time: 5 h 41 min
